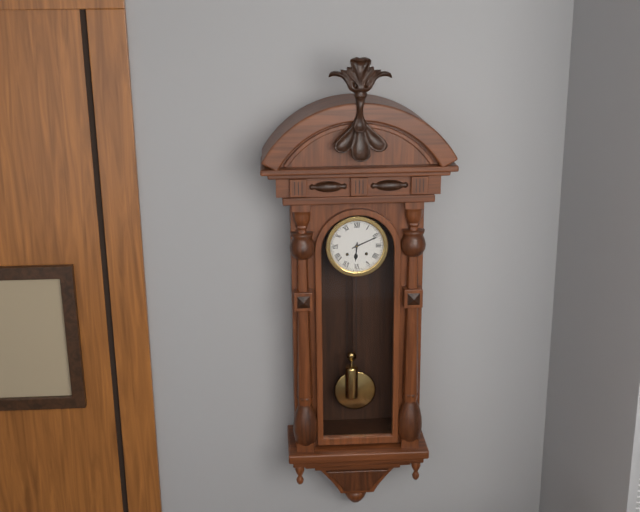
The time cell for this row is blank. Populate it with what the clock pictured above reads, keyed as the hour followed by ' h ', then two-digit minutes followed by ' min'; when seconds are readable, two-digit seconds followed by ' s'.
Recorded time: 6 h 11 min
